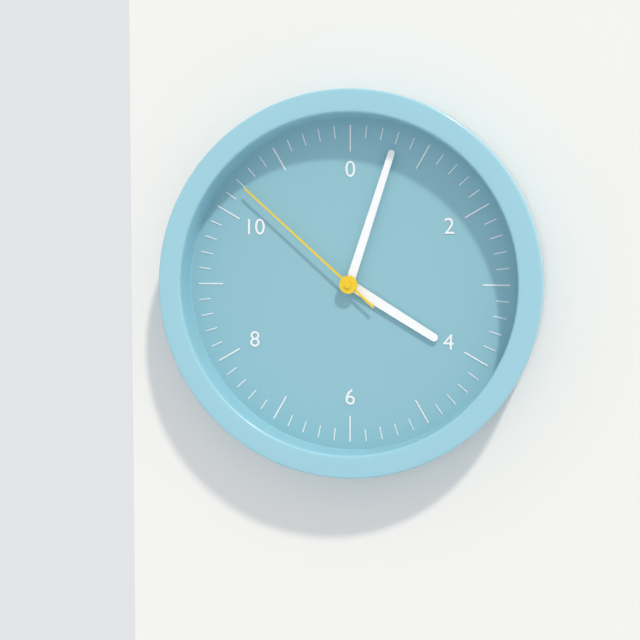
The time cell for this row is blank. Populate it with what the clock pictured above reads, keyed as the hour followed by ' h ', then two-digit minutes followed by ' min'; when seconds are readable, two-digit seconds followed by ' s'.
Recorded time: 4 h 03 min 52 s
